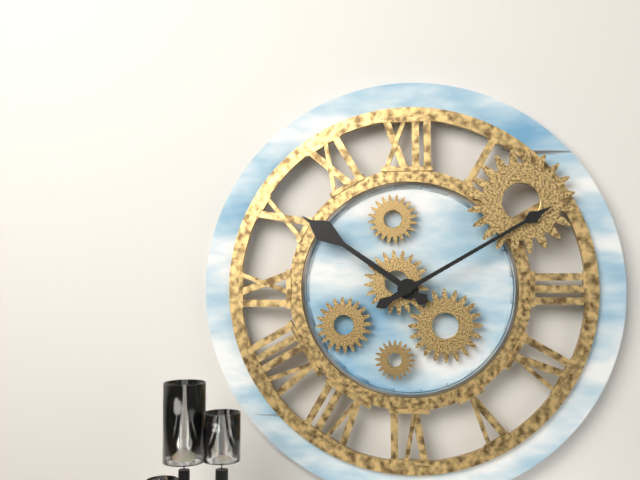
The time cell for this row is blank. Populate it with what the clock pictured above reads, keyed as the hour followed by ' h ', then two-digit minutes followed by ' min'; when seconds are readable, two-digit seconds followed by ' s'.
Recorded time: 10 h 10 min
